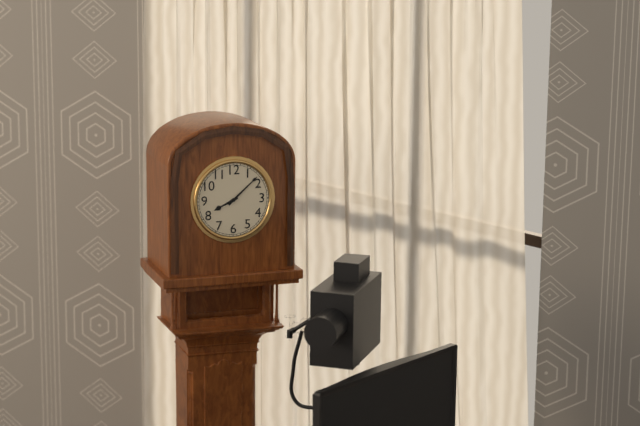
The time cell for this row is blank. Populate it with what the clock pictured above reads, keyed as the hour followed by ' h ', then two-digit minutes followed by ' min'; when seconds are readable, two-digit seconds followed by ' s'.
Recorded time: 8 h 08 min
